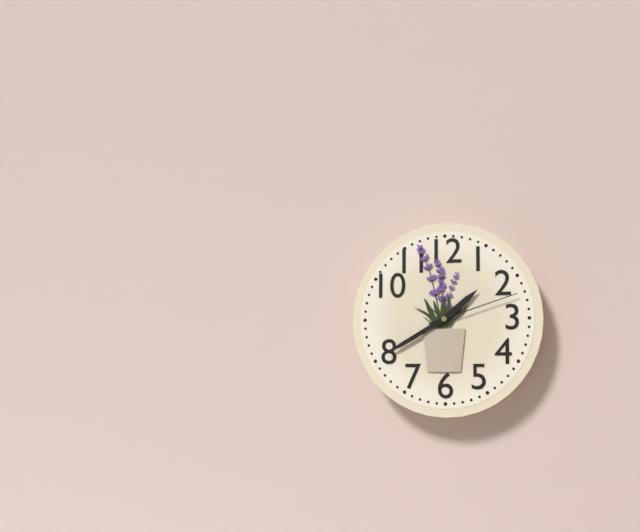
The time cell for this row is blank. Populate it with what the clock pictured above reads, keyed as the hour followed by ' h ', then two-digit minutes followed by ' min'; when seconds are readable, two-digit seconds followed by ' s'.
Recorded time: 1 h 40 min 12 s
